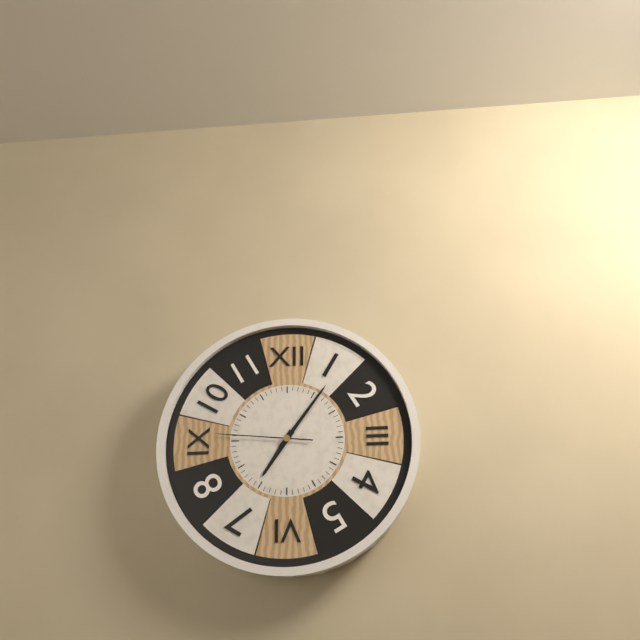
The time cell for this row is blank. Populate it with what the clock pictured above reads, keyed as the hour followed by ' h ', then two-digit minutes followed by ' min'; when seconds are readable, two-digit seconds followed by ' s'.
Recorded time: 7 h 06 min 46 s
